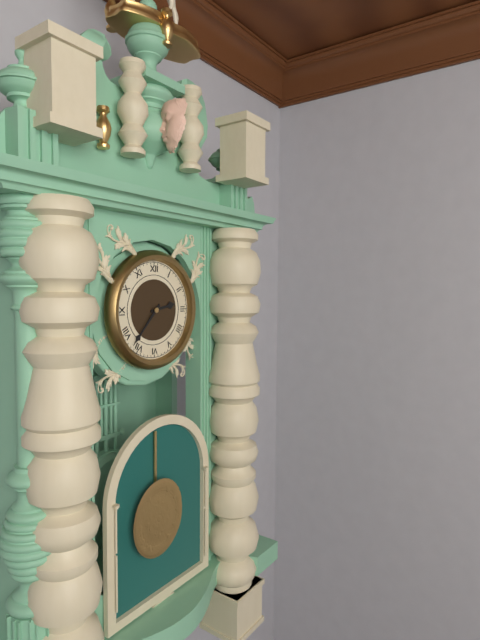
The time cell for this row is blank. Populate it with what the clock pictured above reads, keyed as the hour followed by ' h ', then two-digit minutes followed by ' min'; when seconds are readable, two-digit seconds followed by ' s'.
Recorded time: 2 h 37 min
